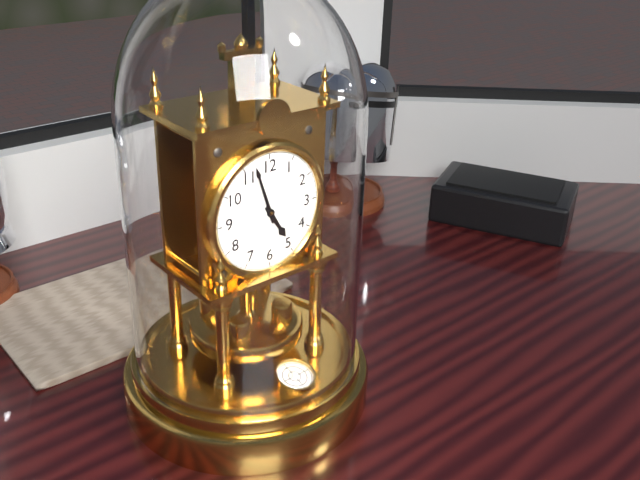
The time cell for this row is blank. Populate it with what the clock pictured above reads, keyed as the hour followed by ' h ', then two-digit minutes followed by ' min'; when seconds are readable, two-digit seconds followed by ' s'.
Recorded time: 4 h 57 min
